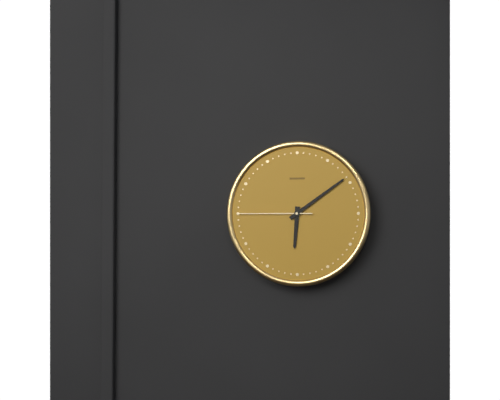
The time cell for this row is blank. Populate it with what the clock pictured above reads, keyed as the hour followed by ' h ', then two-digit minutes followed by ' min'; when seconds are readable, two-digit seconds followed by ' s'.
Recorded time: 6 h 09 min 45 s
